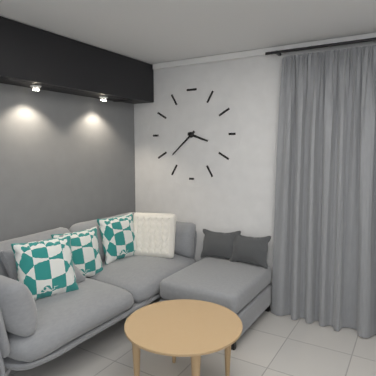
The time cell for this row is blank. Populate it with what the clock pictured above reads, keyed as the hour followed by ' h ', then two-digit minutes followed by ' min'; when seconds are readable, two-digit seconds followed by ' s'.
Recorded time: 3 h 38 min
